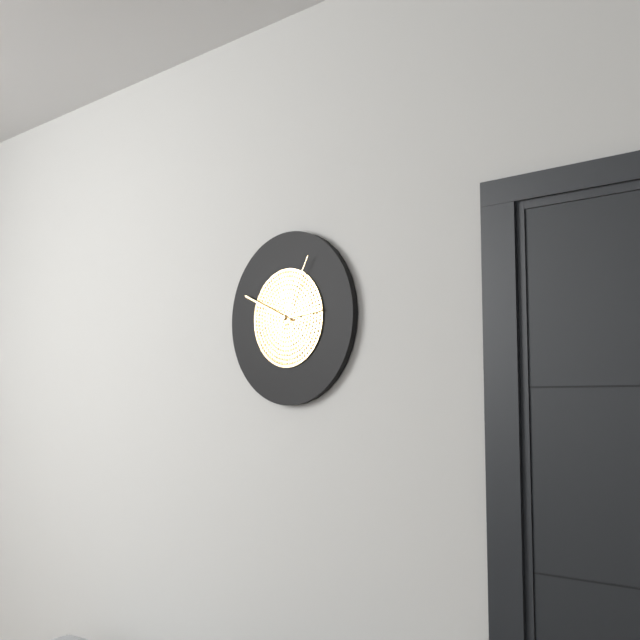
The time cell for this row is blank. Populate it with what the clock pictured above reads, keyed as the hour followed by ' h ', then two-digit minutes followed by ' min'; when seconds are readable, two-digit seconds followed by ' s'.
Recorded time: 2 h 49 min 05 s
